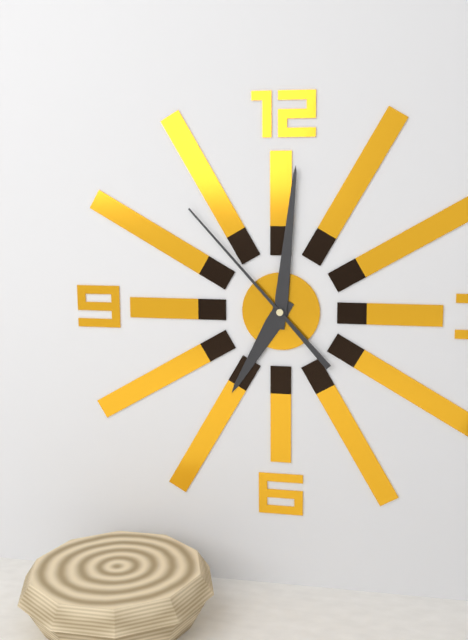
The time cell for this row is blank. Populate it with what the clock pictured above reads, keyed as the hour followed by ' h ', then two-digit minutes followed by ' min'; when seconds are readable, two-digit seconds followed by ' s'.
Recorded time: 7 h 01 min 53 s
